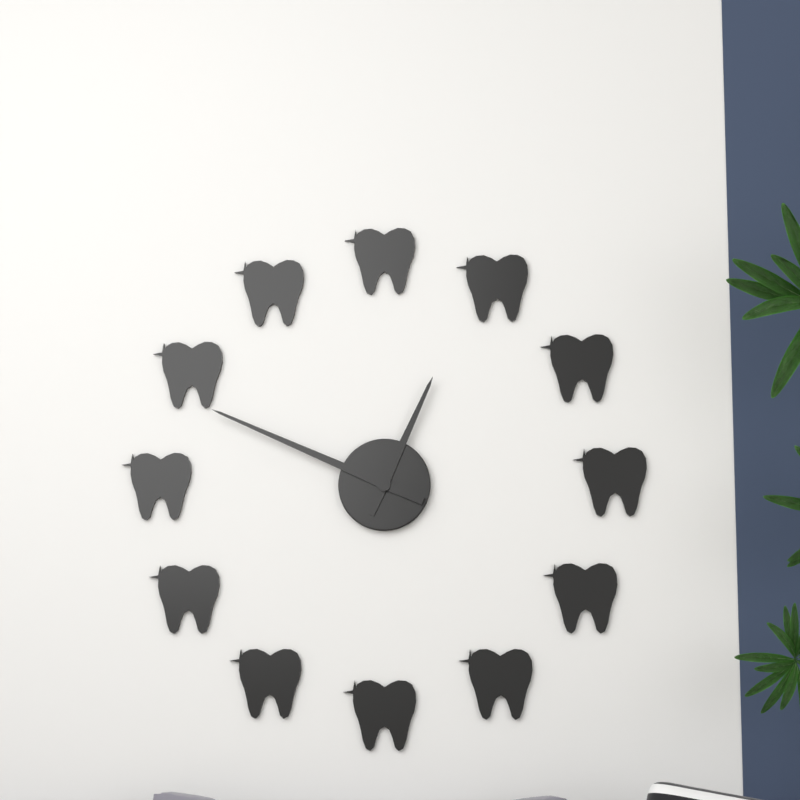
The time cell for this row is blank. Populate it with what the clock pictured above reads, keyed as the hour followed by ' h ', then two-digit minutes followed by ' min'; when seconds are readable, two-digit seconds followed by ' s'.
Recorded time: 12 h 49 min
